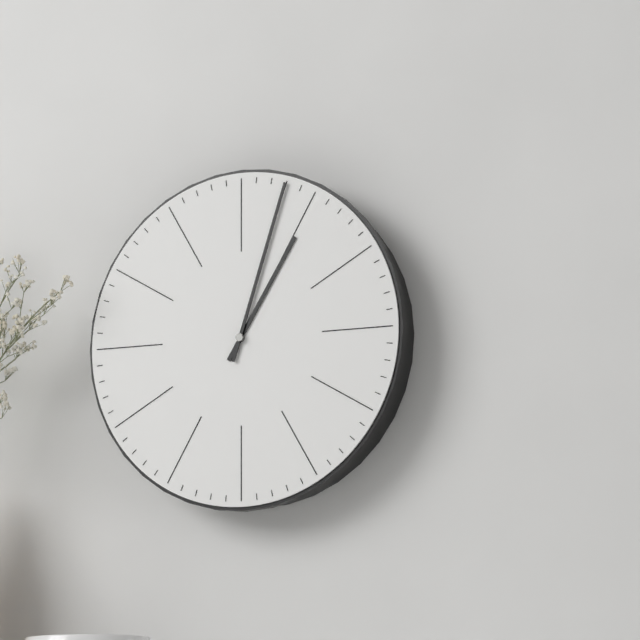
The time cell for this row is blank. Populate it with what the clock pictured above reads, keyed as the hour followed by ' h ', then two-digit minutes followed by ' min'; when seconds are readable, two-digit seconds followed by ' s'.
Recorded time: 1 h 03 min
